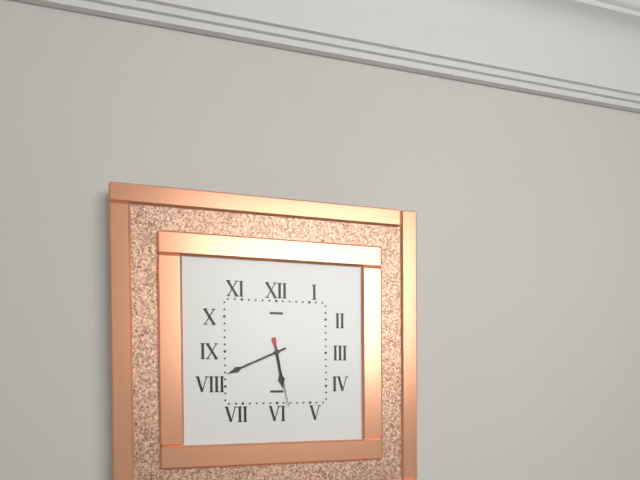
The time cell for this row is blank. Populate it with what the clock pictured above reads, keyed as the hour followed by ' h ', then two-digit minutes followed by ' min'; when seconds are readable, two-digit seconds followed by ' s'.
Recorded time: 5 h 41 min 28 s
